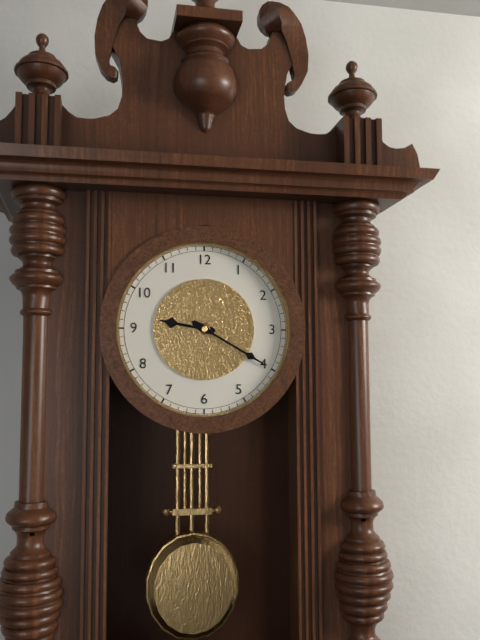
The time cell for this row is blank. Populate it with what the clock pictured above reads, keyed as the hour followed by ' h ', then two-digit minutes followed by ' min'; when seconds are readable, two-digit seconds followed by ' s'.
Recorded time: 9 h 20 min
